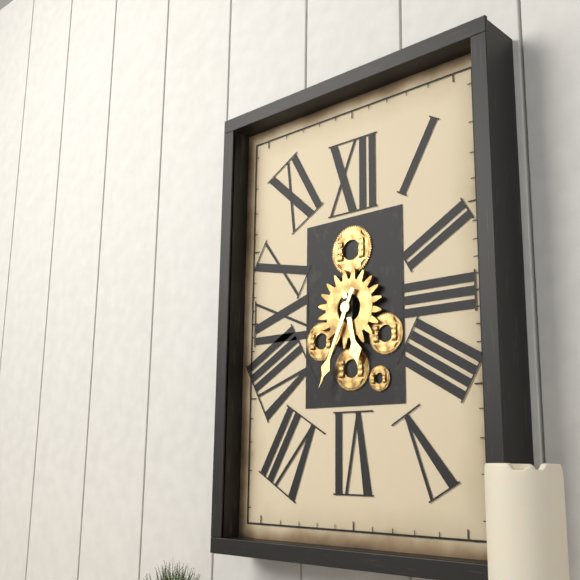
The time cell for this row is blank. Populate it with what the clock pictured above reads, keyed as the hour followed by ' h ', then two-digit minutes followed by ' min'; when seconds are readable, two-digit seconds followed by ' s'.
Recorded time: 5 h 34 min
